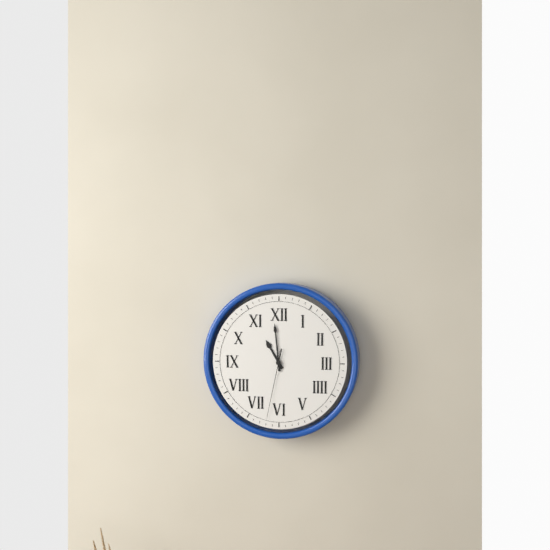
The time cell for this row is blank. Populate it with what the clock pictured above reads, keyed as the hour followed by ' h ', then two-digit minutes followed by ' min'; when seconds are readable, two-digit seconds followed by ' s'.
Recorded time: 10 h 59 min 32 s
